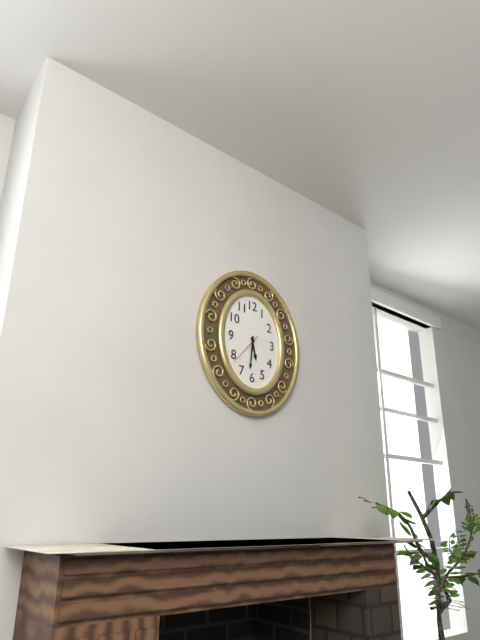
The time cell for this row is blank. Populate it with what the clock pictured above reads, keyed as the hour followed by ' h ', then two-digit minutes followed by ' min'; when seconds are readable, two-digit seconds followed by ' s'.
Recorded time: 5 h 31 min
